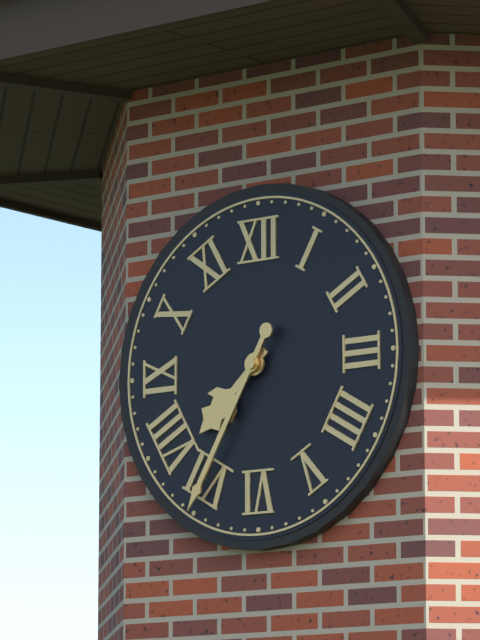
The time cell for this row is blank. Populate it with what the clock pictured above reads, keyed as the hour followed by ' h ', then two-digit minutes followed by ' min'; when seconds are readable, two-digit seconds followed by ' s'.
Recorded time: 7 h 35 min
